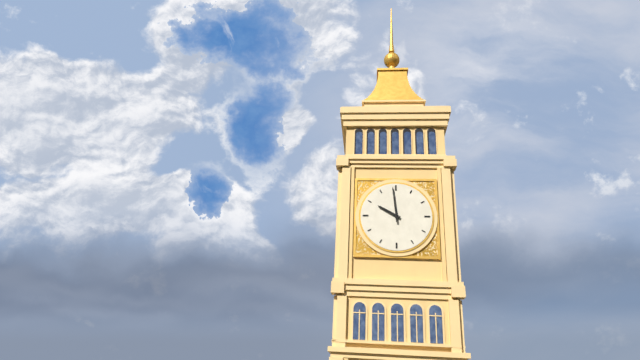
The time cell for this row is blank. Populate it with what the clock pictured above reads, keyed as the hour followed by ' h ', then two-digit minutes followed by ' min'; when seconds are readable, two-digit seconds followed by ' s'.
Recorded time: 9 h 59 min
